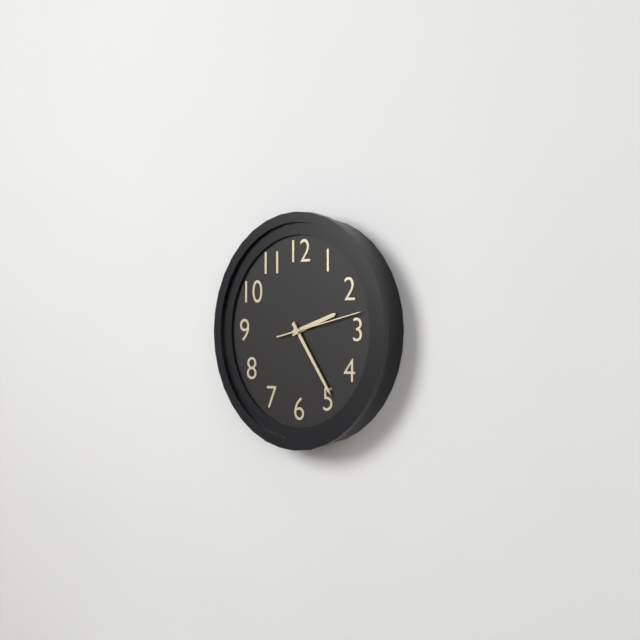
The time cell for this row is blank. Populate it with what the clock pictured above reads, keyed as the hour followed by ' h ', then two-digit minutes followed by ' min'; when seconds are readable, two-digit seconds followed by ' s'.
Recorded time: 2 h 24 min 13 s
